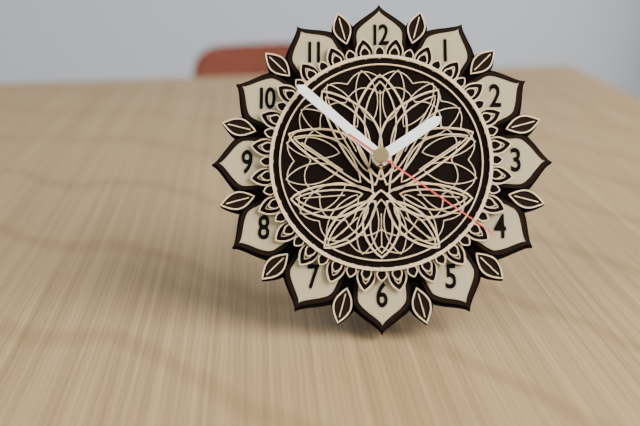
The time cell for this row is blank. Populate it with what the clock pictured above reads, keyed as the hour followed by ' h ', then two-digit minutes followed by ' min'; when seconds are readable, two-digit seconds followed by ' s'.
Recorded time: 1 h 52 min 21 s
